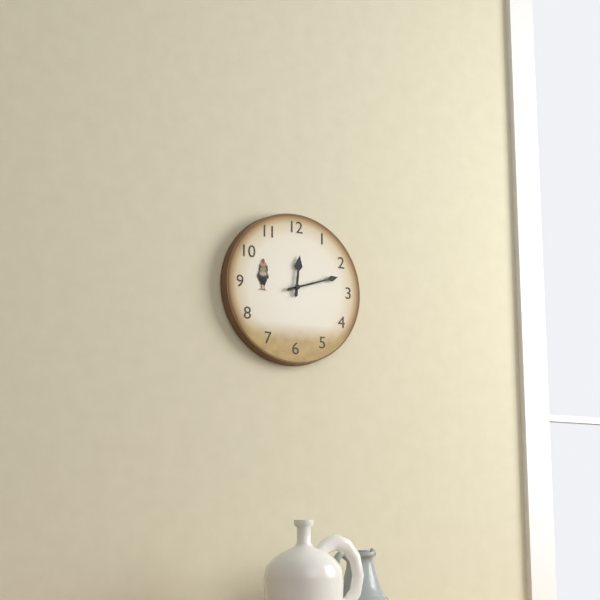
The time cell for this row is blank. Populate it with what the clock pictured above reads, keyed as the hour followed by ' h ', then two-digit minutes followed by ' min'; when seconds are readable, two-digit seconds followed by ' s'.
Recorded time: 12 h 12 min
